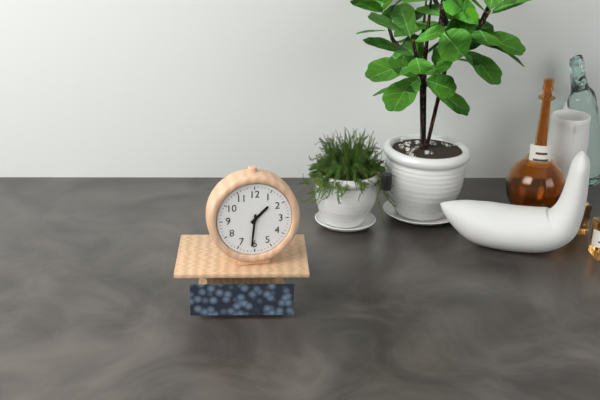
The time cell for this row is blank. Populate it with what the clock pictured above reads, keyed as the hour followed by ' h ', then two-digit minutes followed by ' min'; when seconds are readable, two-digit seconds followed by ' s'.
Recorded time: 1 h 31 min
